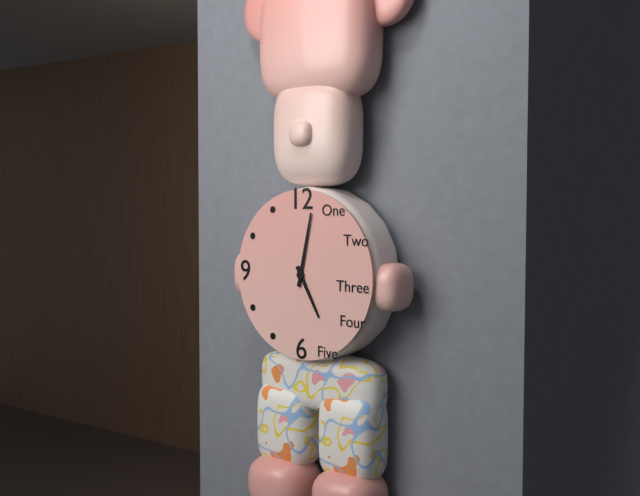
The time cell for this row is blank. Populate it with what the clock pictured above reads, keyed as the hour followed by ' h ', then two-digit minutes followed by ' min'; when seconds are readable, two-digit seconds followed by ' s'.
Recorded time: 5 h 02 min
